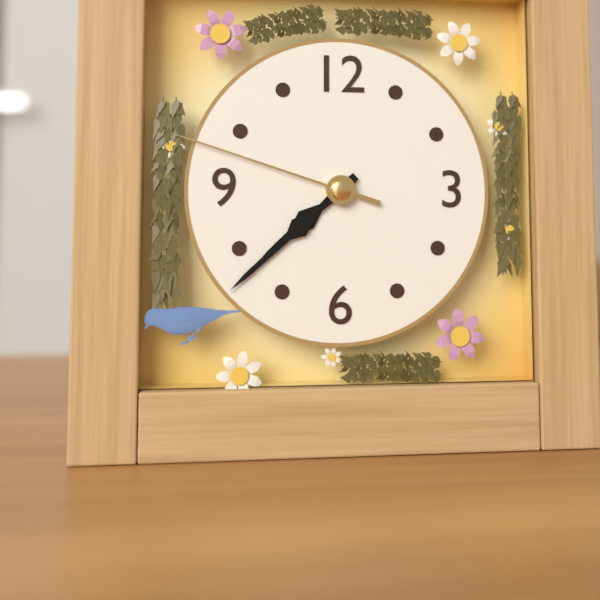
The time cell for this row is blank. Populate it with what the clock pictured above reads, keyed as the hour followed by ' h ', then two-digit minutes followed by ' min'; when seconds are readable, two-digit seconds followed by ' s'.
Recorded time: 7 h 38 min 48 s
